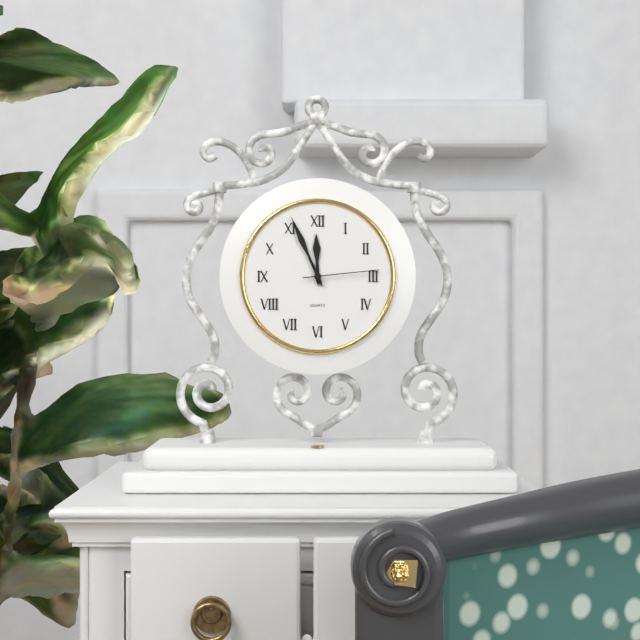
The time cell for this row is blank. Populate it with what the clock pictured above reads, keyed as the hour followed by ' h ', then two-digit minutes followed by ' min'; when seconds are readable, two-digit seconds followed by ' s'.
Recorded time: 11 h 56 min 14 s
